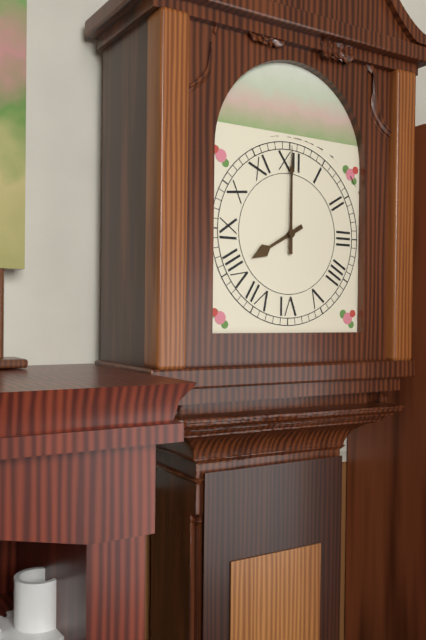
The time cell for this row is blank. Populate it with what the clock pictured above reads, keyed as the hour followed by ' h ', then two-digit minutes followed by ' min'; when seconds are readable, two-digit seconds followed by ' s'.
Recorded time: 8 h 00 min
